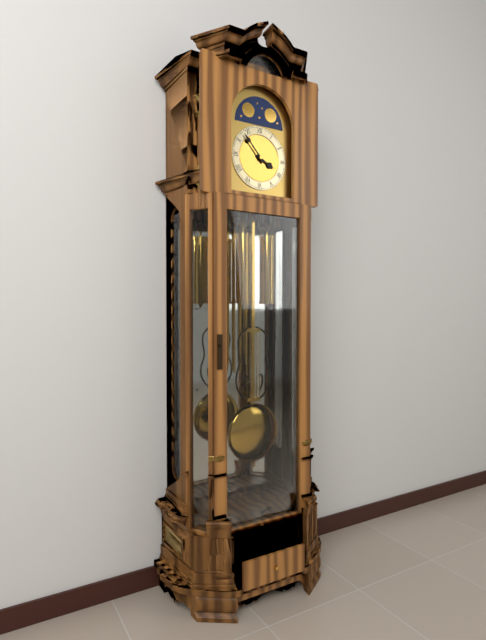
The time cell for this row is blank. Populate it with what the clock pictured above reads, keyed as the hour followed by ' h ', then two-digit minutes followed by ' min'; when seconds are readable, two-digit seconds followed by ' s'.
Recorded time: 3 h 53 min
